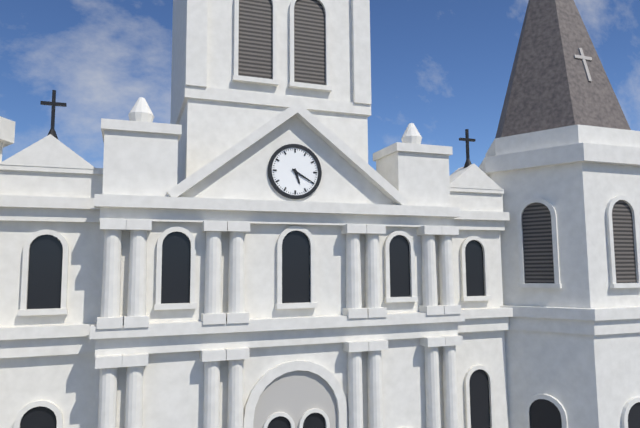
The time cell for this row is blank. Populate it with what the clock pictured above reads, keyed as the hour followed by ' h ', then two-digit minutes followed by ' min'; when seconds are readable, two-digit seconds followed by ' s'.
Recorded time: 5 h 20 min
